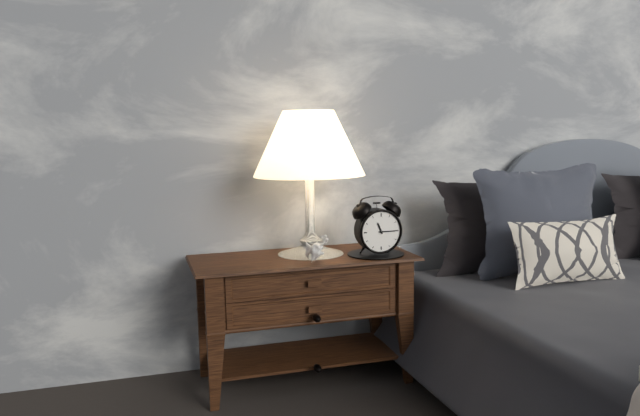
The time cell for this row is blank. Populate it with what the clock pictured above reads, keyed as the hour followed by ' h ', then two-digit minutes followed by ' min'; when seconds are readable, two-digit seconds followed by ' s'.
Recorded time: 11 h 15 min
